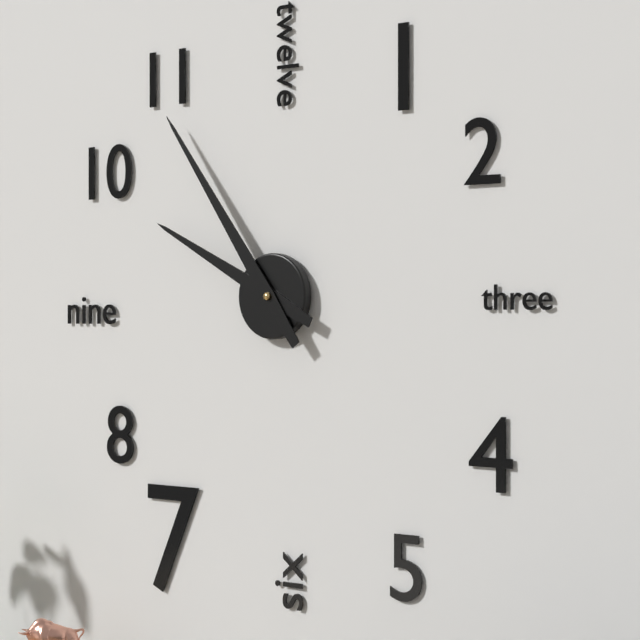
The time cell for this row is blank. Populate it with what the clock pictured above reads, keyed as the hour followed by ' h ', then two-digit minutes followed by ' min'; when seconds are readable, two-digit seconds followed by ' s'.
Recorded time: 9 h 54 min
